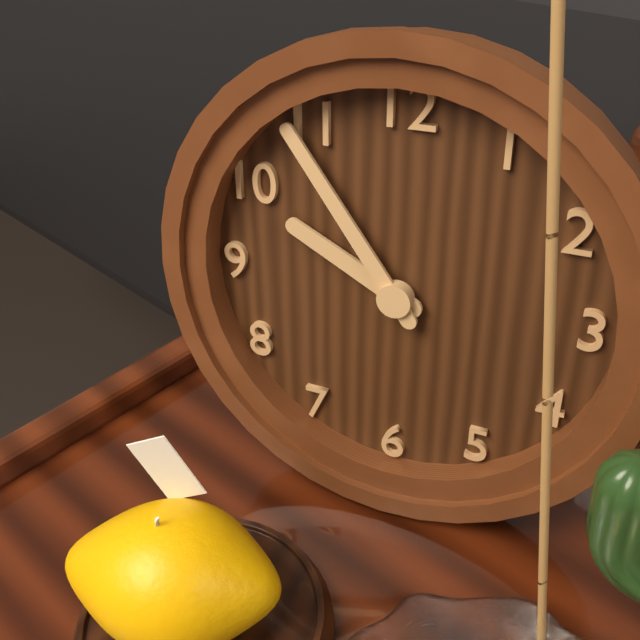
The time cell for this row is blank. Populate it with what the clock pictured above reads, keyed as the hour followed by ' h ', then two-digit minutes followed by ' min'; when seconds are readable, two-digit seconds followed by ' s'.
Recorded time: 9 h 54 min
